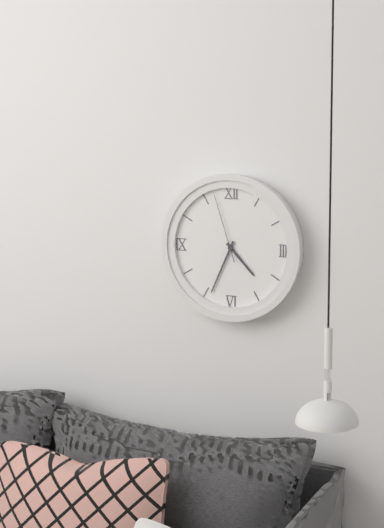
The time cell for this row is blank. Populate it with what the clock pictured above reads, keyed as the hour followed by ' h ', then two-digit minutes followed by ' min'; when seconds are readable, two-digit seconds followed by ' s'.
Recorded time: 4 h 34 min 57 s
